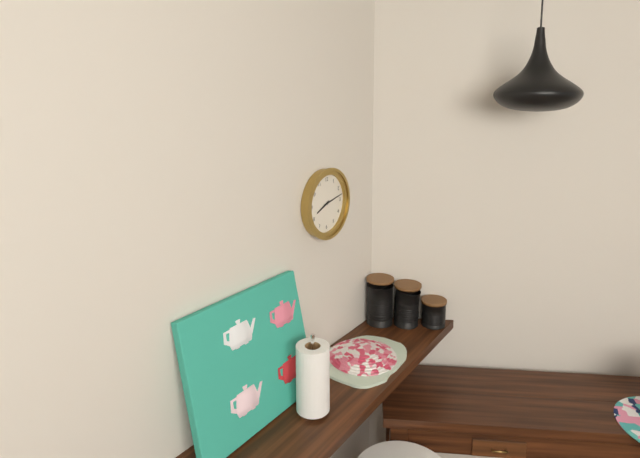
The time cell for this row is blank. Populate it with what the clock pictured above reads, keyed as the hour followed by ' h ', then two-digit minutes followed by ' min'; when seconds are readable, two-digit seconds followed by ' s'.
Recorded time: 8 h 13 min
